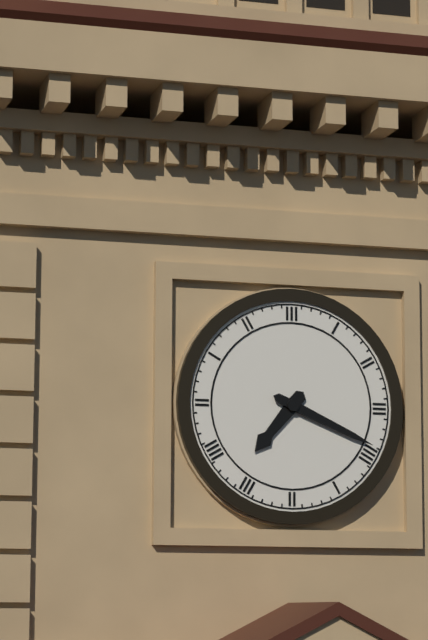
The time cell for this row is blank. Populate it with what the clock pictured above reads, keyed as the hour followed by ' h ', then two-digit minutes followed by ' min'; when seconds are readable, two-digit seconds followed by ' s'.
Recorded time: 7 h 19 min
